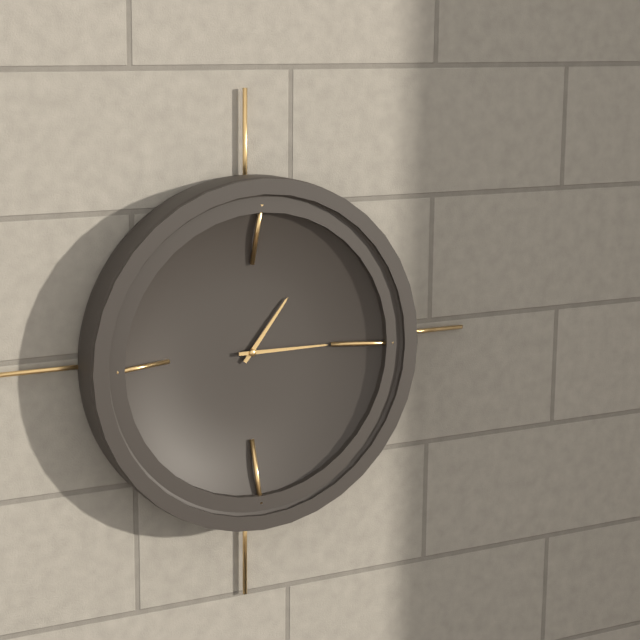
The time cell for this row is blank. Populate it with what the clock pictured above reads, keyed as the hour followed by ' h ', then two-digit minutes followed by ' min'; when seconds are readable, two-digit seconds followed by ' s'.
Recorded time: 1 h 15 min
